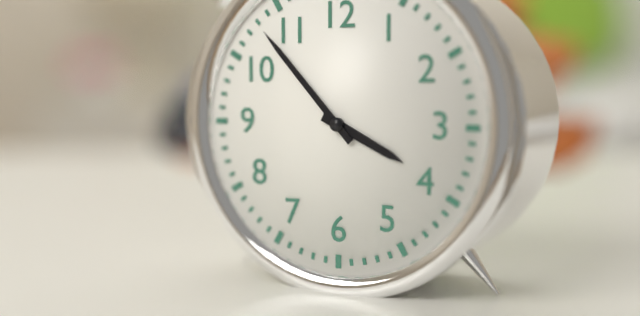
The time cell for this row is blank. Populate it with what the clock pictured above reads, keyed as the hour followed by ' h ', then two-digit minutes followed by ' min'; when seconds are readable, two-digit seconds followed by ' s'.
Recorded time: 3 h 53 min
